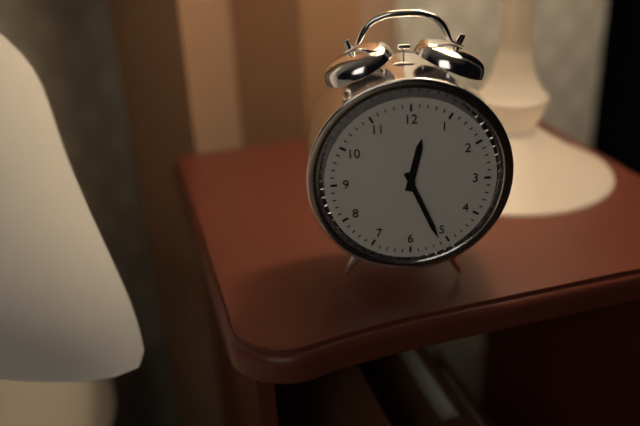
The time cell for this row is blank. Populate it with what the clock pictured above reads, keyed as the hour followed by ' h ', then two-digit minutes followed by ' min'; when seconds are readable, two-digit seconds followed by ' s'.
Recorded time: 12 h 26 min
